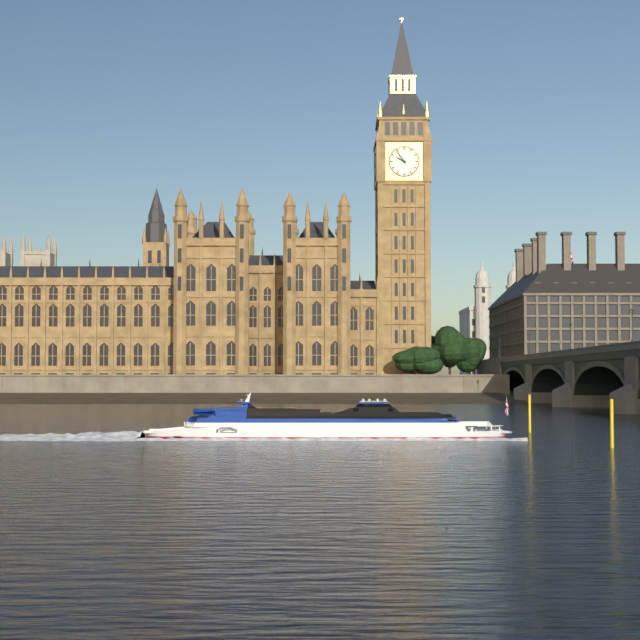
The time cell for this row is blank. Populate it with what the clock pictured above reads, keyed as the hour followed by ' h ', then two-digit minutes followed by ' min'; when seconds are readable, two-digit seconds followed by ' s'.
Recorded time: 9 h 54 min
